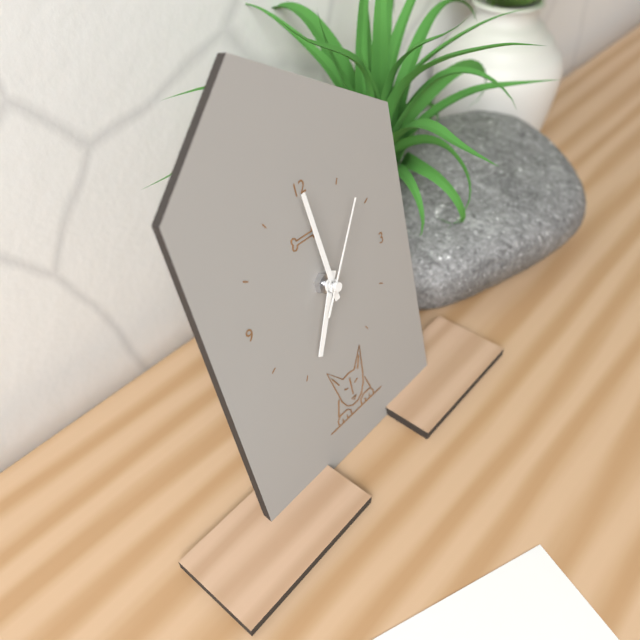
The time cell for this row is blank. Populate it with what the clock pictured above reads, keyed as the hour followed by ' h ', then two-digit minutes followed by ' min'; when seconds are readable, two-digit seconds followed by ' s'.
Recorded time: 6 h 59 min 06 s
